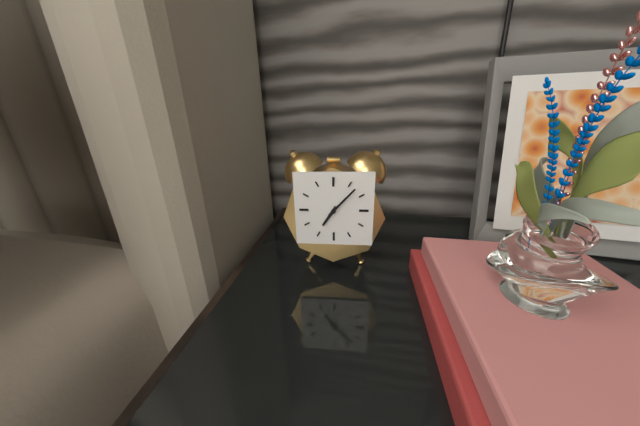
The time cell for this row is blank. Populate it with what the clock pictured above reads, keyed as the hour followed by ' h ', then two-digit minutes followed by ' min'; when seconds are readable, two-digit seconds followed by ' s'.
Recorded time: 7 h 07 min
